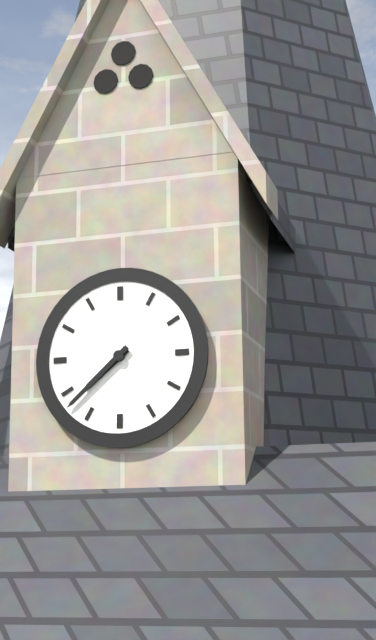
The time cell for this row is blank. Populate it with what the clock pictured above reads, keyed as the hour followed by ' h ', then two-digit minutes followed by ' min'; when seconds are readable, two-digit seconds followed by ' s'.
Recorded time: 7 h 38 min
